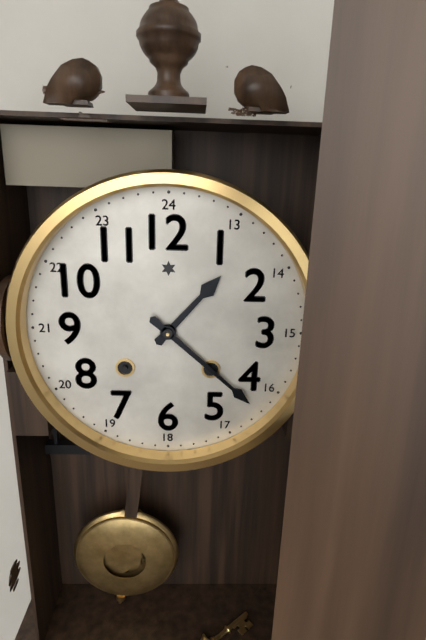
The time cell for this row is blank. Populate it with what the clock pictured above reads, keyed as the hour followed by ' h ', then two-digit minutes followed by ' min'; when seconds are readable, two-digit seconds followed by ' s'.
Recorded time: 1 h 22 min
